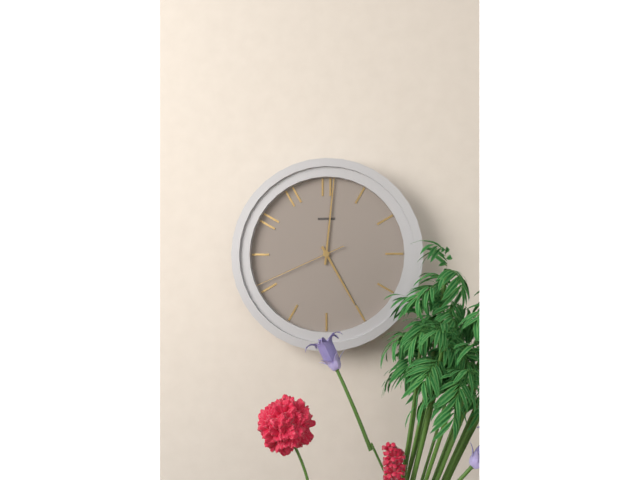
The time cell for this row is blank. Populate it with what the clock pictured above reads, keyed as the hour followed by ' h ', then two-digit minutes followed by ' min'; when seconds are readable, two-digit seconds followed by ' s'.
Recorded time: 5 h 01 min 41 s
